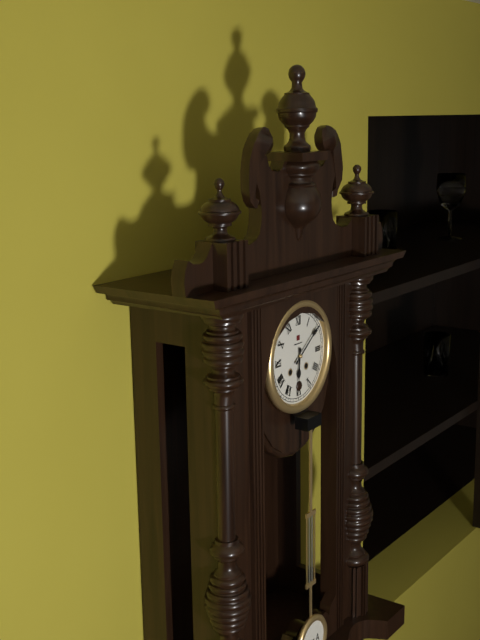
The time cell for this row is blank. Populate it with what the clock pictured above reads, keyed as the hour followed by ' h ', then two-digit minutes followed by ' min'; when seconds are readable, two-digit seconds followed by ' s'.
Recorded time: 6 h 09 min
